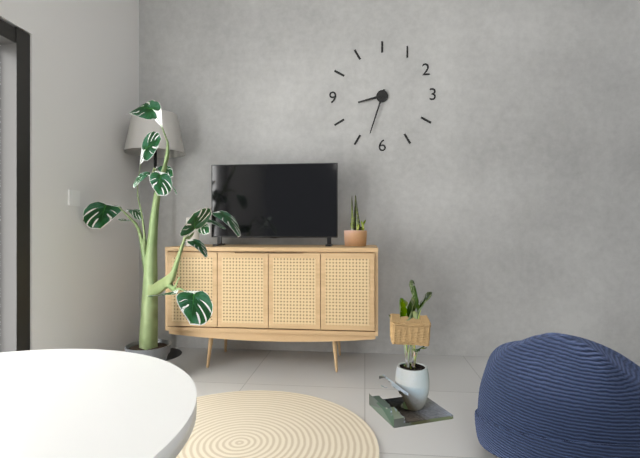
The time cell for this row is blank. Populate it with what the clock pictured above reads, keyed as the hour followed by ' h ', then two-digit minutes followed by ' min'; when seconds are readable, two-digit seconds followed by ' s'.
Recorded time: 8 h 33 min
